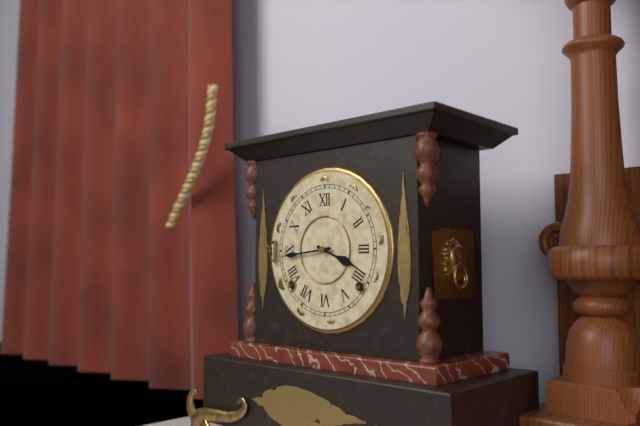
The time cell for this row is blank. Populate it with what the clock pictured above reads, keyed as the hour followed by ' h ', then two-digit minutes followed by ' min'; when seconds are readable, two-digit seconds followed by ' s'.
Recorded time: 3 h 44 min
